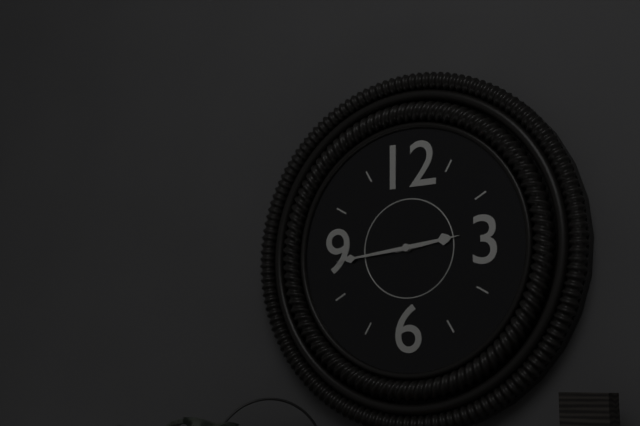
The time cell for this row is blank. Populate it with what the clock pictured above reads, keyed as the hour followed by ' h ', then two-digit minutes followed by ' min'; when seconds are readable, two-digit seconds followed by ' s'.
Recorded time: 2 h 44 min
